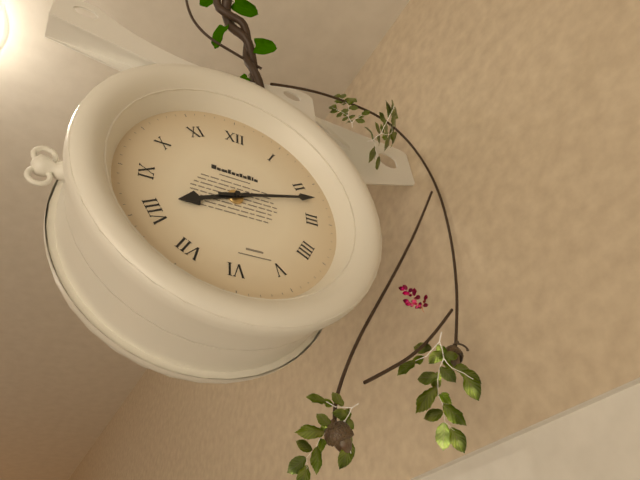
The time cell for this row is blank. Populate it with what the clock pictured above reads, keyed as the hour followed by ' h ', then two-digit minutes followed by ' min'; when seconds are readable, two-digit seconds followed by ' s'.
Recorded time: 8 h 12 min
